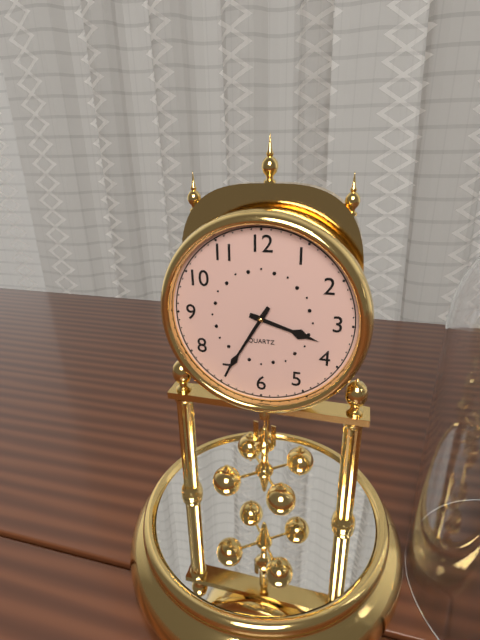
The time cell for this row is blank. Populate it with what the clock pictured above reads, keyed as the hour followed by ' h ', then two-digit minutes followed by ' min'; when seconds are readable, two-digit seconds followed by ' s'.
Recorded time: 3 h 35 min
